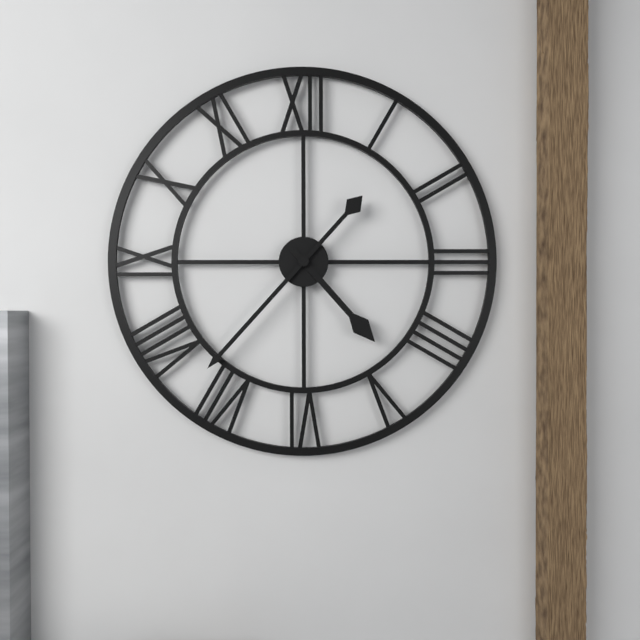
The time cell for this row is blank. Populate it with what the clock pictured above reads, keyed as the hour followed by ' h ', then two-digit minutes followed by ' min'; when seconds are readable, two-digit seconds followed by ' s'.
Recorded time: 4 h 37 min
